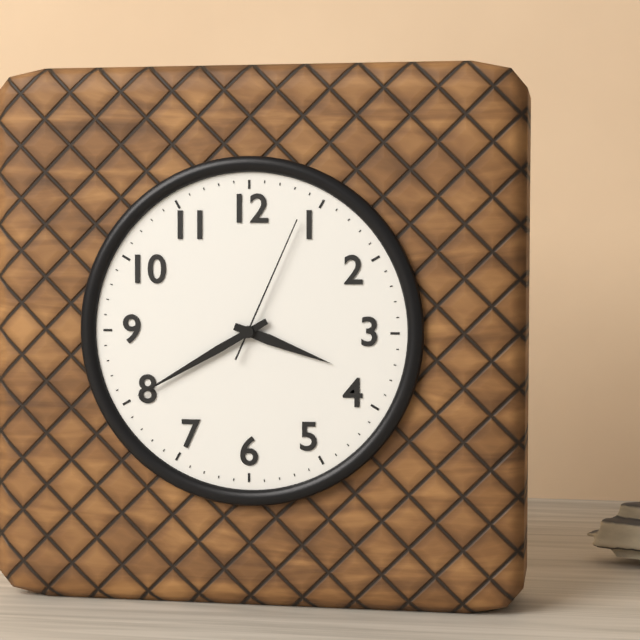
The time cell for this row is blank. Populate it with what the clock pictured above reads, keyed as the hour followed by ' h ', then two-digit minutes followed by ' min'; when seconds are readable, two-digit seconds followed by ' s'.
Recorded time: 3 h 40 min 04 s
